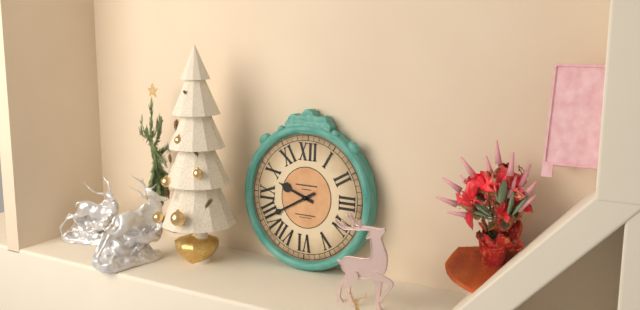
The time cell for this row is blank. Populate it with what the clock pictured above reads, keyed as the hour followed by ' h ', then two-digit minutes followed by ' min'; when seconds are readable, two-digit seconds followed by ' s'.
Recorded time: 9 h 40 min
